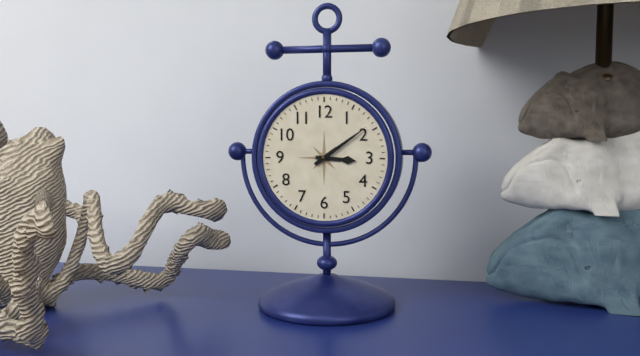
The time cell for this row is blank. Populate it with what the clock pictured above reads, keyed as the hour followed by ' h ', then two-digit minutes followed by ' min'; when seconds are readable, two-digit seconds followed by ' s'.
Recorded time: 3 h 09 min
